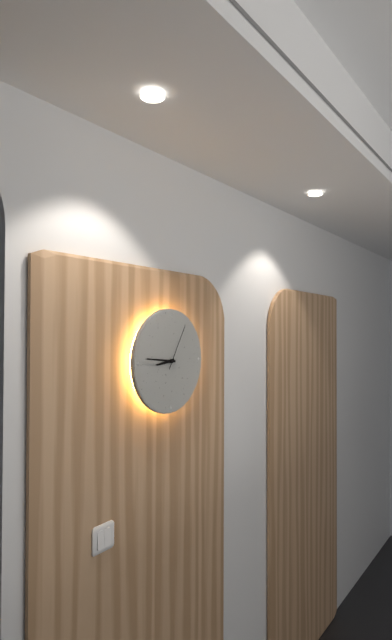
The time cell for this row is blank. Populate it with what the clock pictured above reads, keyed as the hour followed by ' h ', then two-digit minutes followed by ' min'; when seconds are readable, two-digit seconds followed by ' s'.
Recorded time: 8 h 46 min
